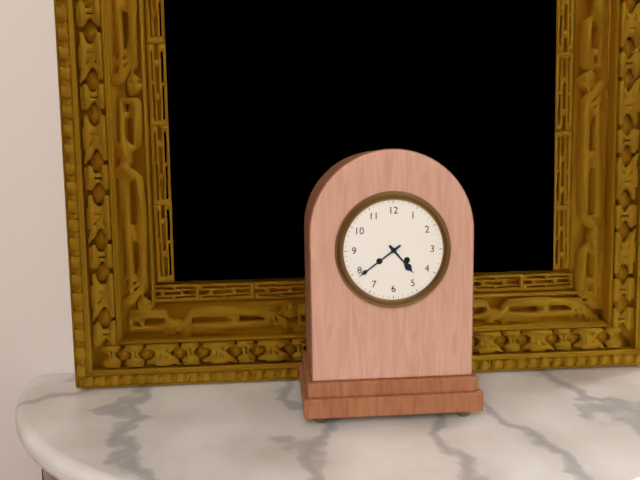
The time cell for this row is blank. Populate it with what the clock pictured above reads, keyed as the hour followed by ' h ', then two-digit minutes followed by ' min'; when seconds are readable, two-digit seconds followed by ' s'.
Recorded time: 4 h 39 min
